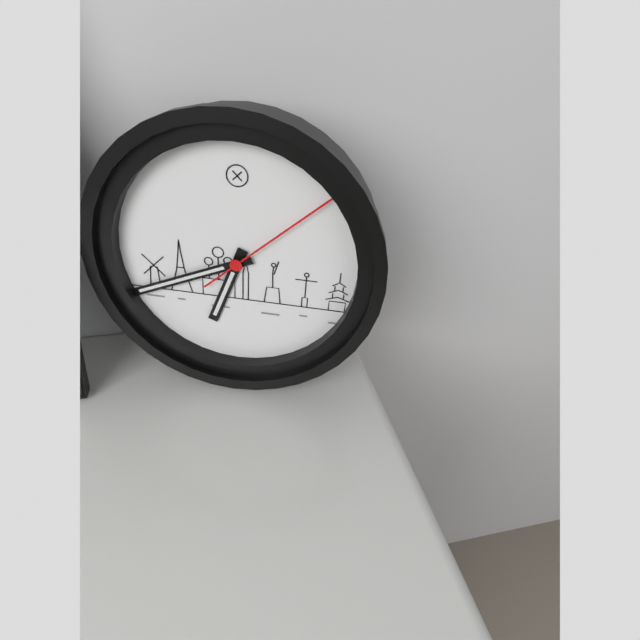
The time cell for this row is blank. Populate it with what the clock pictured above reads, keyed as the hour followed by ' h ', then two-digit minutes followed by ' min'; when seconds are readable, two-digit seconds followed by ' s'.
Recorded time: 6 h 41 min 08 s
